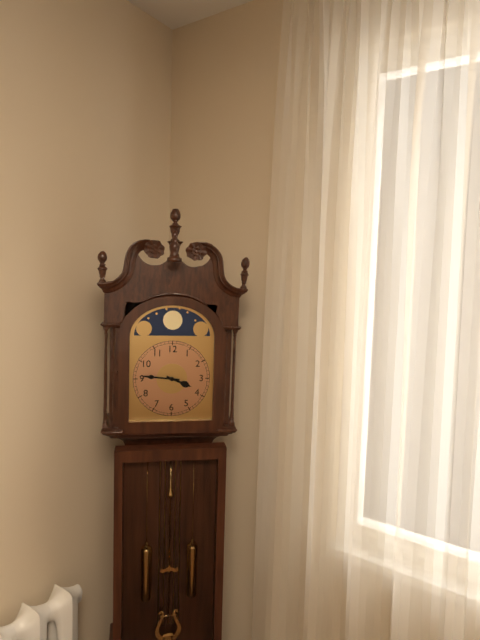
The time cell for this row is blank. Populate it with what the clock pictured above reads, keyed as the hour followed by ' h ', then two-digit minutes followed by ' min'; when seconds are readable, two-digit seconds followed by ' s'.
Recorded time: 3 h 46 min
